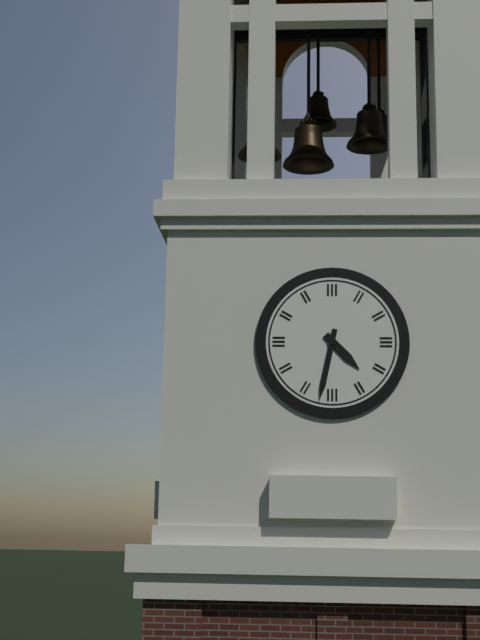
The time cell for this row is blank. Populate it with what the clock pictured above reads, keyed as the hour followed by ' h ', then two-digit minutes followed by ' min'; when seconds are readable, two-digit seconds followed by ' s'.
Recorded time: 4 h 32 min
